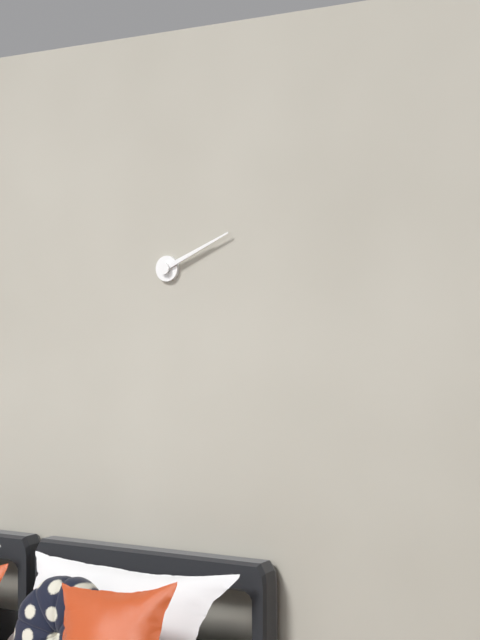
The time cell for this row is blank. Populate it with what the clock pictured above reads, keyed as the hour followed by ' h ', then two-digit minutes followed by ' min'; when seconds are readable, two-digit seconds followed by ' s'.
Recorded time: 2 h 11 min
